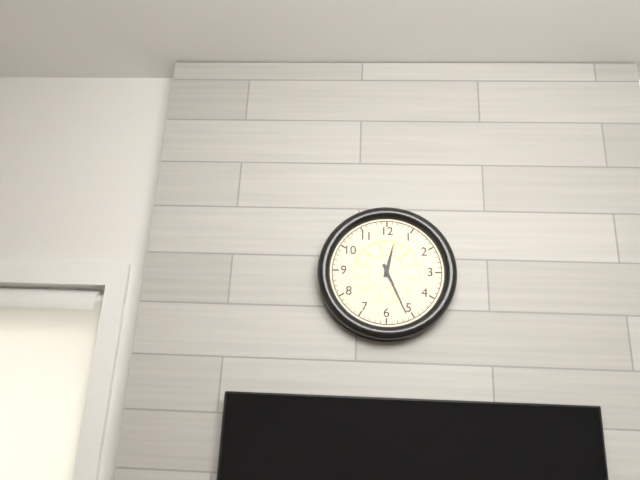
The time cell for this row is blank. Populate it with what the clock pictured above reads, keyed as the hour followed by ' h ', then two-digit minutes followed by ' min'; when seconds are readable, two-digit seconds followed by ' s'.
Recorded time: 12 h 26 min
